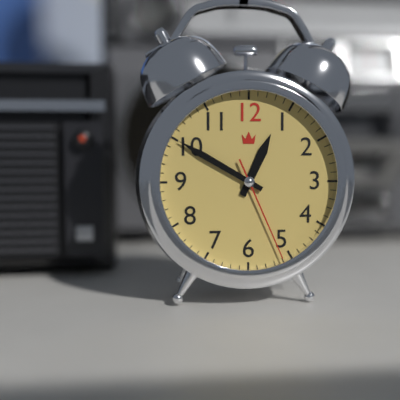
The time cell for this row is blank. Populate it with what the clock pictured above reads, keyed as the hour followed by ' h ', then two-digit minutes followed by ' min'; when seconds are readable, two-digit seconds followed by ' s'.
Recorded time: 12 h 50 min 26 s
